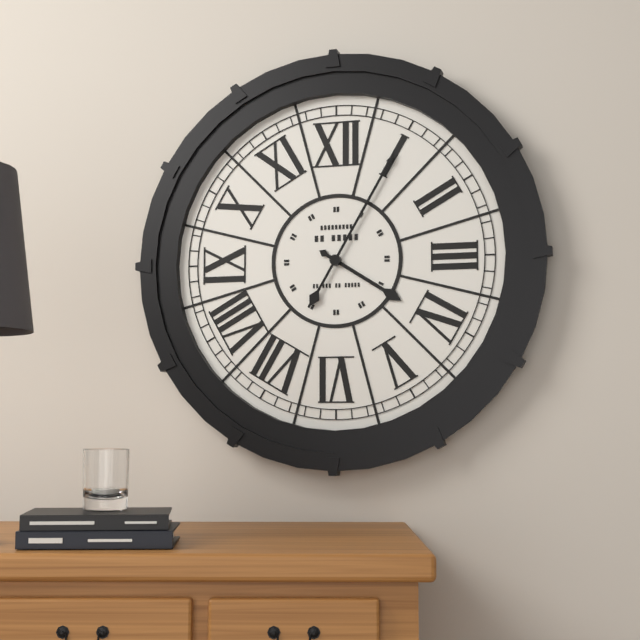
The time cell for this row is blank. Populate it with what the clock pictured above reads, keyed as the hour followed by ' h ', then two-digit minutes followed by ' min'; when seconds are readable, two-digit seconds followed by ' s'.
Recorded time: 4 h 05 min
